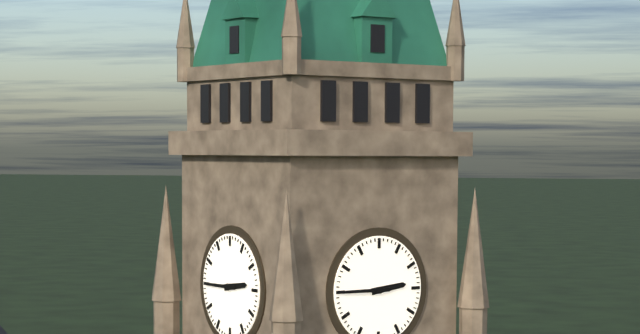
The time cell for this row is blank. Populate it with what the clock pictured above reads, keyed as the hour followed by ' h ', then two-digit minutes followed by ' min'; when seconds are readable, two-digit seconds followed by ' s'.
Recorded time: 2 h 45 min
